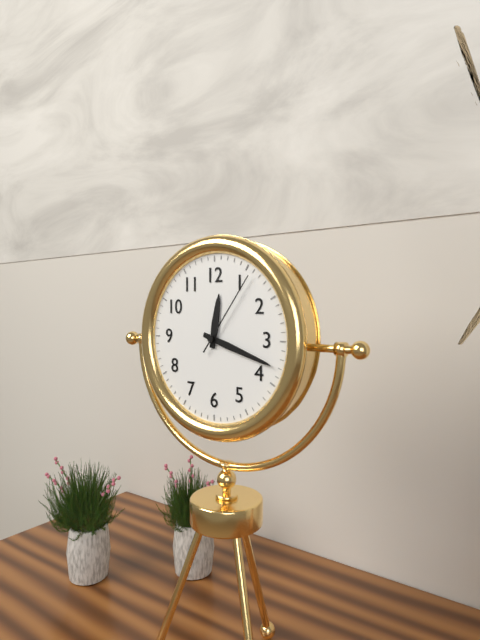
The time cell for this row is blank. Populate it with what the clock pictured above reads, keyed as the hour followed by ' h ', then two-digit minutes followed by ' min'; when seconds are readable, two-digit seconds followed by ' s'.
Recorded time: 12 h 18 min 06 s
